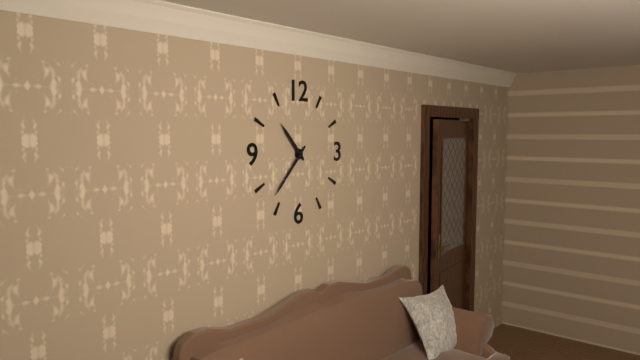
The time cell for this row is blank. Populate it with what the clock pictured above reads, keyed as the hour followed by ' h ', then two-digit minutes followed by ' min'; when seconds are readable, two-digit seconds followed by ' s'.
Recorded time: 10 h 37 min
